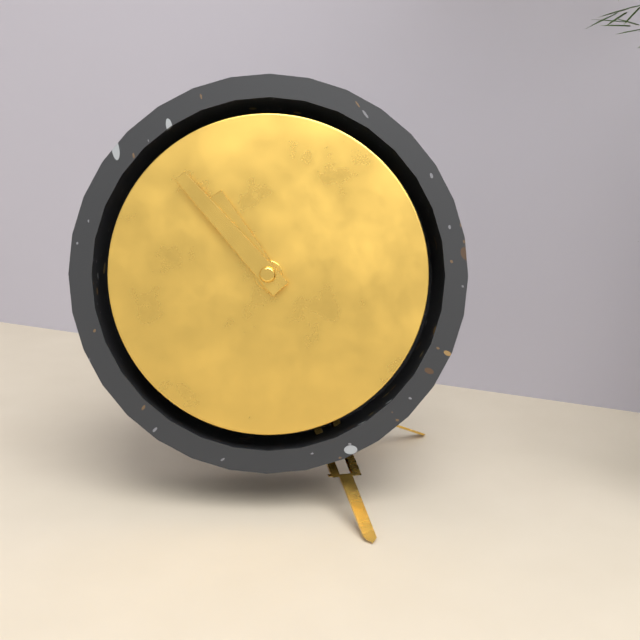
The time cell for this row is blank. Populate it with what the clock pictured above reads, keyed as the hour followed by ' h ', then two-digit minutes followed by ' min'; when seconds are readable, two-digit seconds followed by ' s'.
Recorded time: 10 h 53 min
